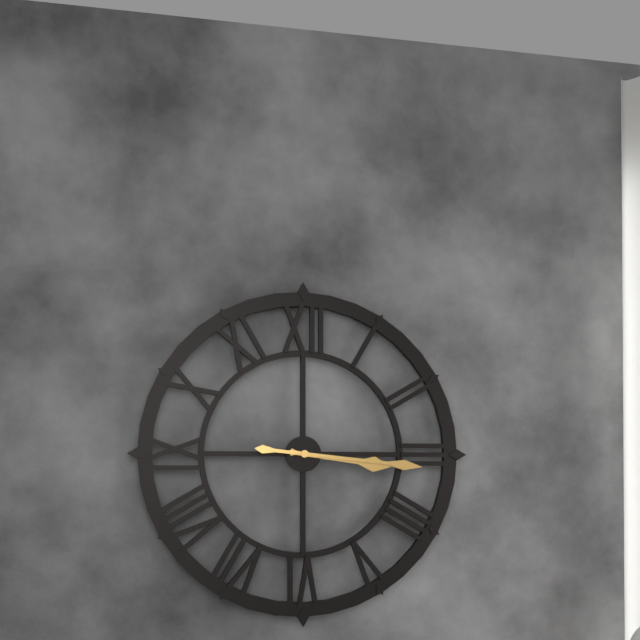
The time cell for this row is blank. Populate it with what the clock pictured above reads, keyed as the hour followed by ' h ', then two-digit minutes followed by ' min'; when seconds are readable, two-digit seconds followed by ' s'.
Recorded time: 3 h 16 min
